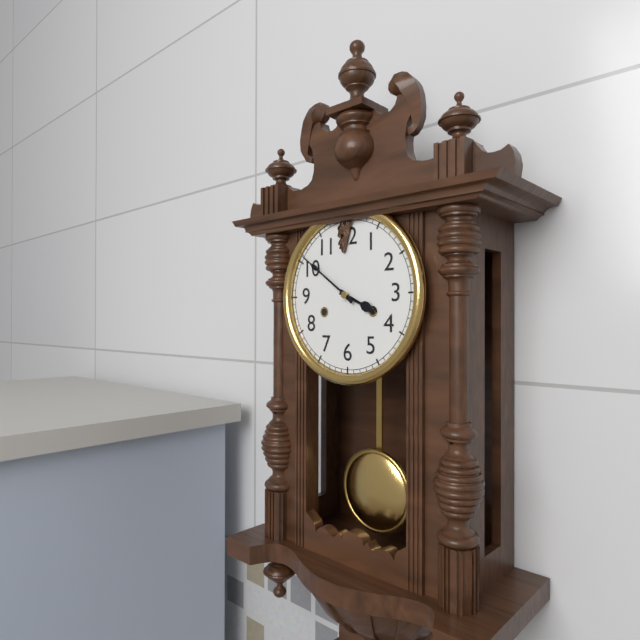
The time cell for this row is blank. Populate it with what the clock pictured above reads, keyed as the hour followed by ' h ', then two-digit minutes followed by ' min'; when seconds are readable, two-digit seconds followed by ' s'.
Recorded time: 3 h 51 min
